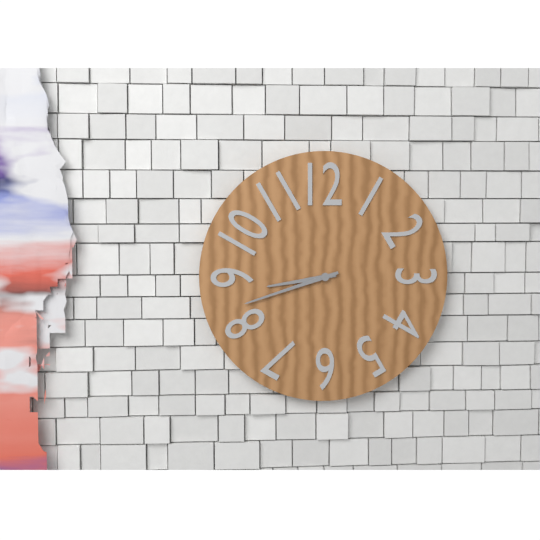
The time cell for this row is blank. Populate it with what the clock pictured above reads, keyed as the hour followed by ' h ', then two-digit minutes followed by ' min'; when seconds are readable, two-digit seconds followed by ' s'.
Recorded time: 8 h 42 min
